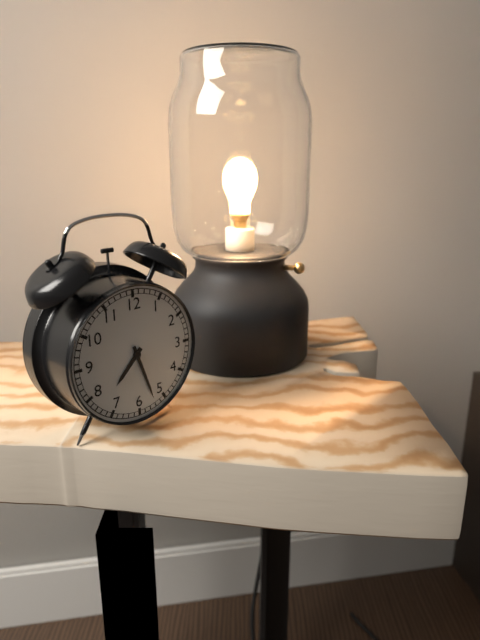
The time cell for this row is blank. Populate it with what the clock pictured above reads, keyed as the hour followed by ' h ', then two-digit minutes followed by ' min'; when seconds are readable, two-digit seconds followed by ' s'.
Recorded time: 7 h 27 min
